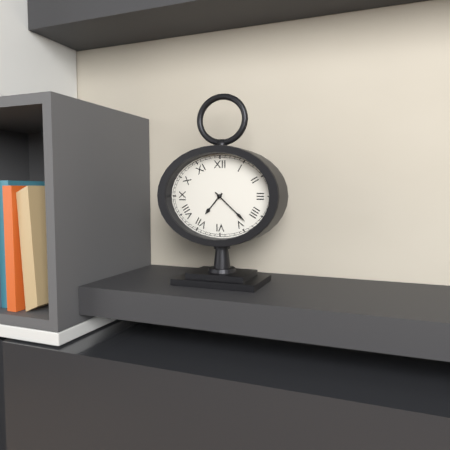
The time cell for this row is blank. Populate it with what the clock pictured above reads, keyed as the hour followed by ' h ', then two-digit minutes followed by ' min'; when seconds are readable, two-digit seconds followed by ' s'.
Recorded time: 7 h 22 min
